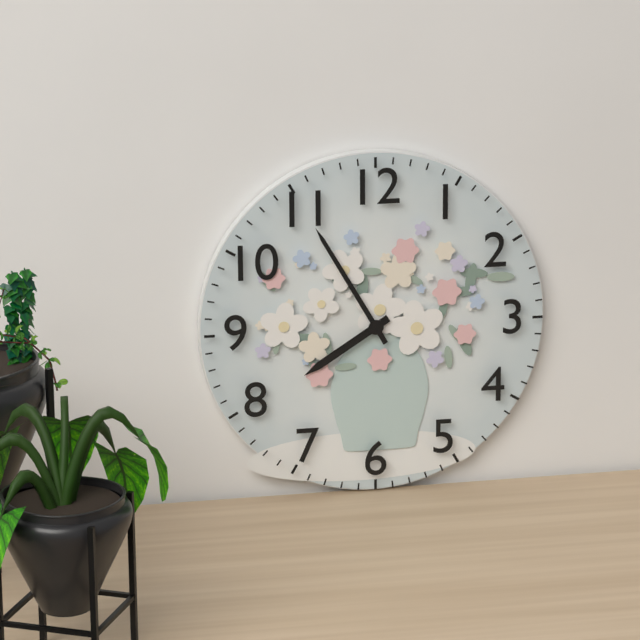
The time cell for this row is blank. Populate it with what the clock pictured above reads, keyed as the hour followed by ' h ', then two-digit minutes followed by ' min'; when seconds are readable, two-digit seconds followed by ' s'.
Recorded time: 7 h 55 min
